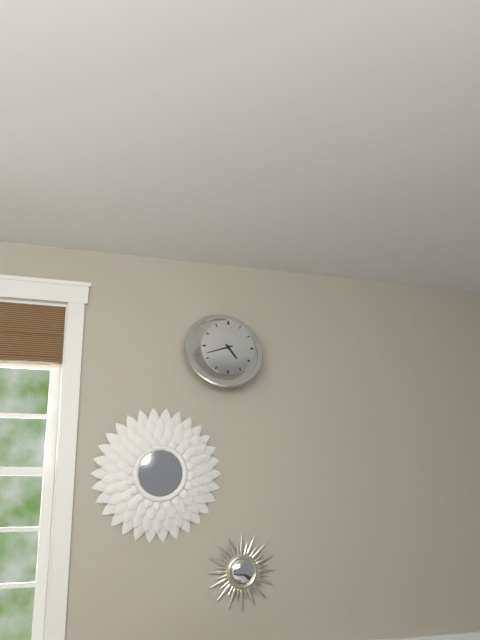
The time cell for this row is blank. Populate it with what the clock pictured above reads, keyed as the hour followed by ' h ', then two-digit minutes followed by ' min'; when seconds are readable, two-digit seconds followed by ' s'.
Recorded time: 4 h 42 min
